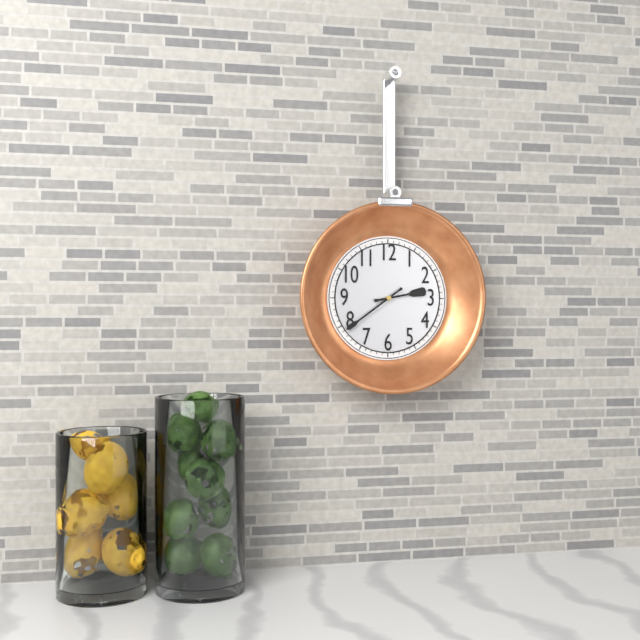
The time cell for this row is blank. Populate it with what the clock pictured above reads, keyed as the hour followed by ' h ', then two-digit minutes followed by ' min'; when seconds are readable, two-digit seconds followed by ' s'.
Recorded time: 2 h 39 min
